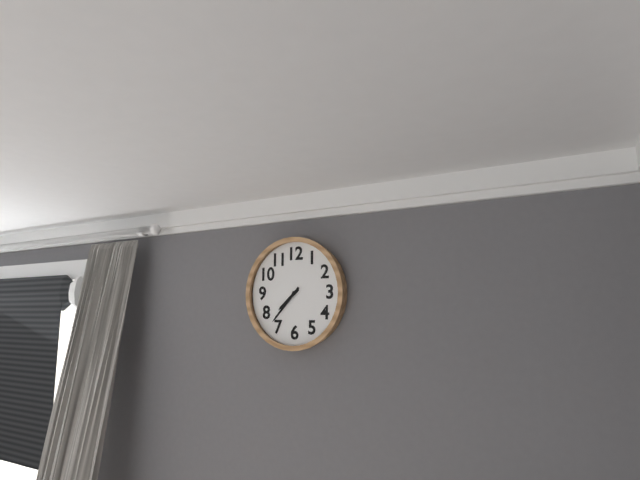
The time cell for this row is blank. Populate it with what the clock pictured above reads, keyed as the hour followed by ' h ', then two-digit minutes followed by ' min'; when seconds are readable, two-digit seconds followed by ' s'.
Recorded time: 7 h 37 min
